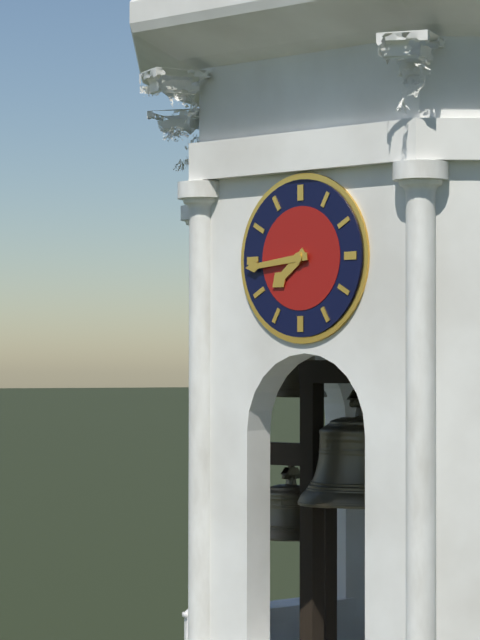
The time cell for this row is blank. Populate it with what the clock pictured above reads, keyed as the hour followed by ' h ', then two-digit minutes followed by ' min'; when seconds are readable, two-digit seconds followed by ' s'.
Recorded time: 7 h 44 min
